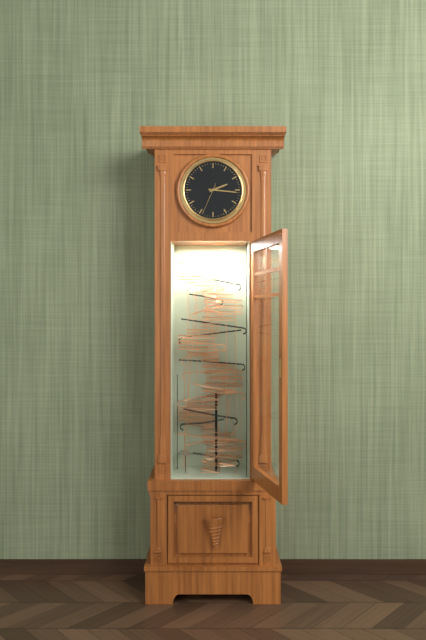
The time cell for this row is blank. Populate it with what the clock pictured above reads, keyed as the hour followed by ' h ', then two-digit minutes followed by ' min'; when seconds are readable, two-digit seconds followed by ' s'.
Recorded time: 2 h 16 min
